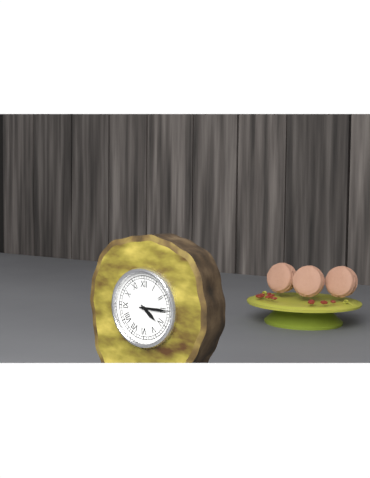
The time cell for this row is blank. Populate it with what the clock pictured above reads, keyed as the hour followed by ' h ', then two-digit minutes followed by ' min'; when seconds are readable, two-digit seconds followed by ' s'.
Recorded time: 4 h 15 min
